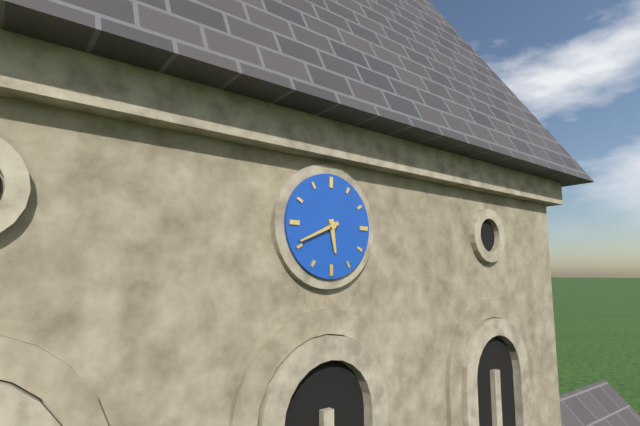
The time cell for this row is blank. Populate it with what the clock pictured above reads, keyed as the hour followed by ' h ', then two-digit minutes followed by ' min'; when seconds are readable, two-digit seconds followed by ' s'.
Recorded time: 5 h 41 min
